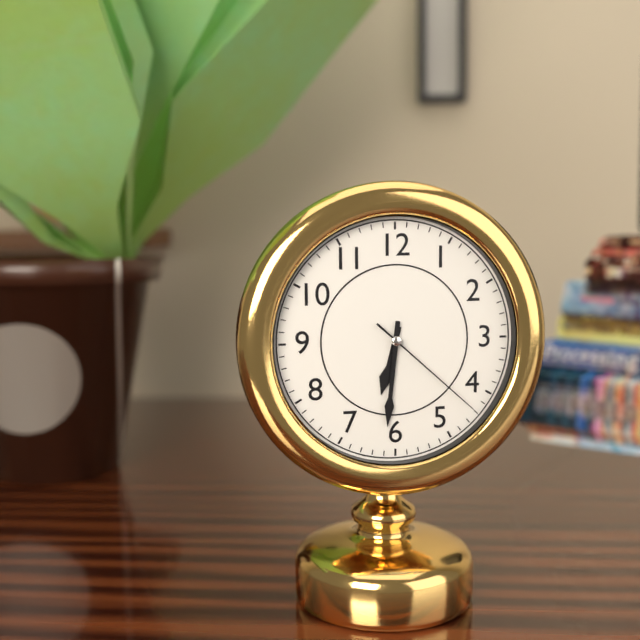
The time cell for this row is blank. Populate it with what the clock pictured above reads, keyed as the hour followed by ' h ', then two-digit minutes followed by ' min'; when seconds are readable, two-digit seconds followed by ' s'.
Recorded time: 6 h 31 min 22 s
